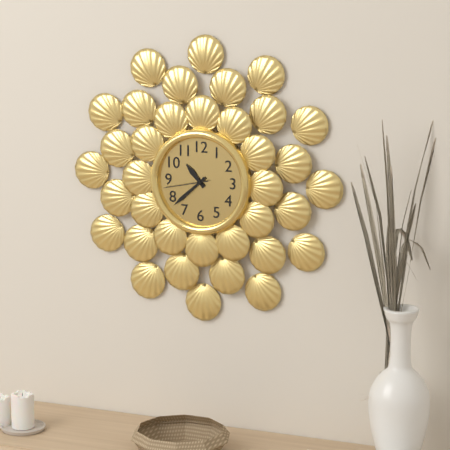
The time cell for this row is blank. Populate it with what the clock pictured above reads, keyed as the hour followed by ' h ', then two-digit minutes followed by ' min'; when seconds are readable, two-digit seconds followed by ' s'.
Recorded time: 10 h 38 min
